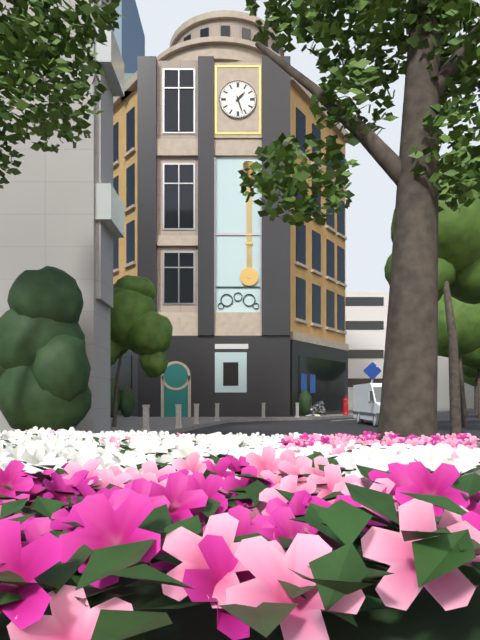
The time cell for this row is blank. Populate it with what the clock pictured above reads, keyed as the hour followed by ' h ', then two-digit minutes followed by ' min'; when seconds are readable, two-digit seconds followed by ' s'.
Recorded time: 1 h 27 min
